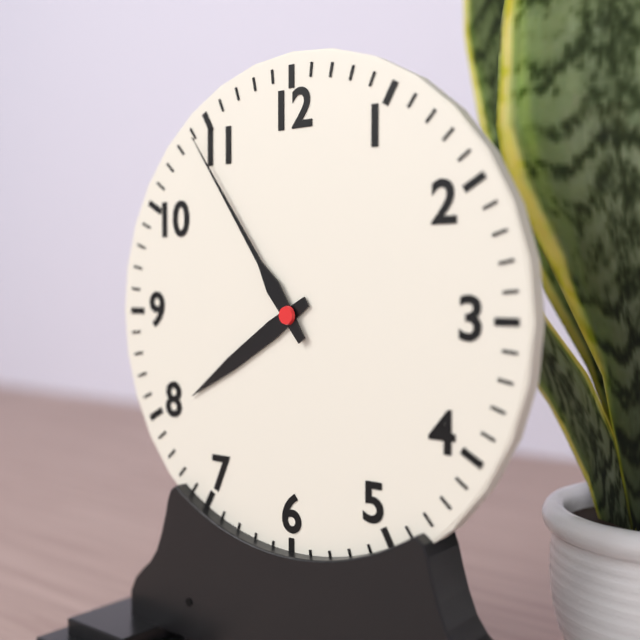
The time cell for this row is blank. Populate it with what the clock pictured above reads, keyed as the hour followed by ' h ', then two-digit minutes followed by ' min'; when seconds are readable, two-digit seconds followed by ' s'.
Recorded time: 7 h 54 min
